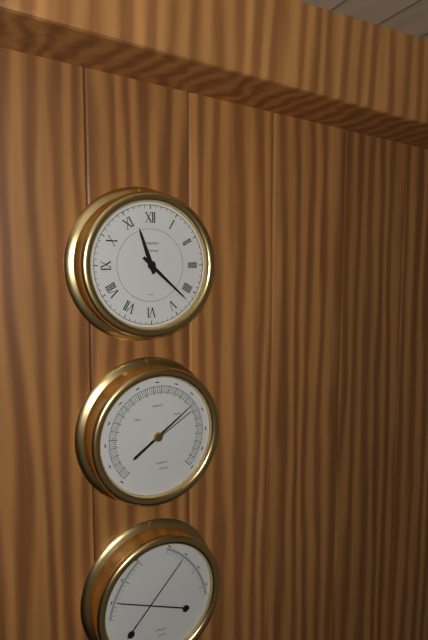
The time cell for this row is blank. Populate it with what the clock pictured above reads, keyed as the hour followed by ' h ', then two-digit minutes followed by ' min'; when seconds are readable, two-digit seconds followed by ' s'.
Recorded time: 11 h 22 min
